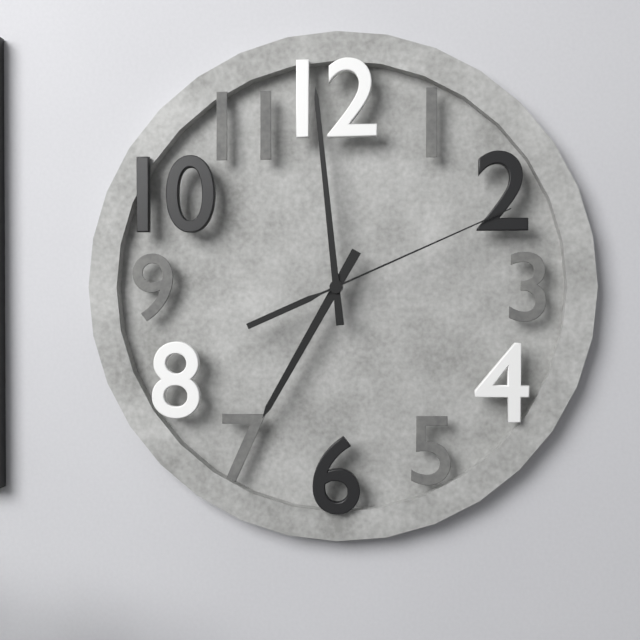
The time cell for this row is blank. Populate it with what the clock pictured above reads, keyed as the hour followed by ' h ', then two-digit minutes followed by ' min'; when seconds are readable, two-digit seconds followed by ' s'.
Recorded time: 6 h 59 min 11 s
